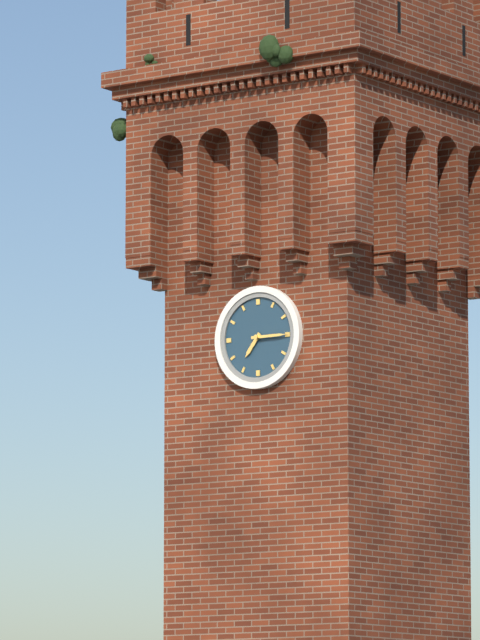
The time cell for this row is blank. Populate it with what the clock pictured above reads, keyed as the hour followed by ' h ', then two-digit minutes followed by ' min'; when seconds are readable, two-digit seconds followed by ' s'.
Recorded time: 7 h 15 min
